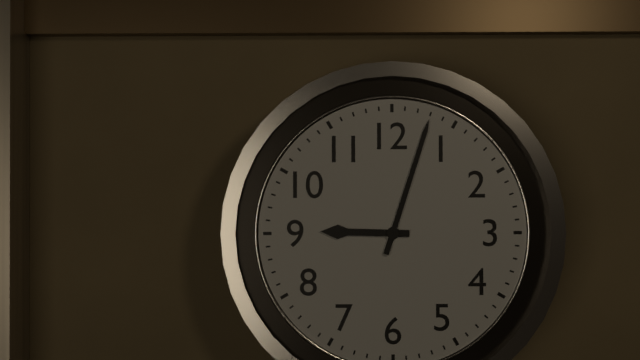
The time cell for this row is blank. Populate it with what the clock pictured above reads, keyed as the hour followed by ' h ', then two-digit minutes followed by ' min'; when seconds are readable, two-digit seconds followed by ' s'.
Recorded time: 9 h 03 min
